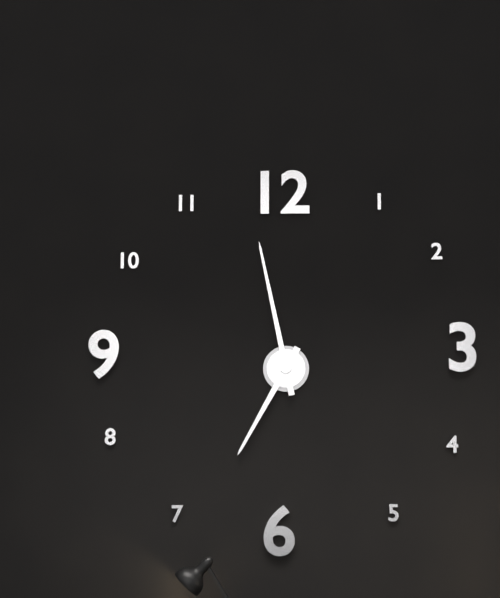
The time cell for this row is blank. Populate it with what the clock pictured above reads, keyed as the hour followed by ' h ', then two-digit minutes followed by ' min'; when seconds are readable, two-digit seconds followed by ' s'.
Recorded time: 6 h 58 min
